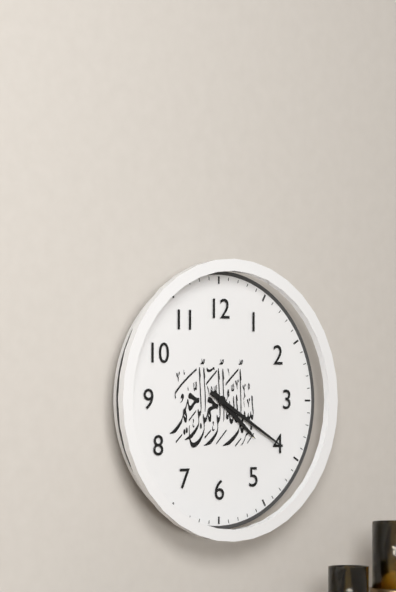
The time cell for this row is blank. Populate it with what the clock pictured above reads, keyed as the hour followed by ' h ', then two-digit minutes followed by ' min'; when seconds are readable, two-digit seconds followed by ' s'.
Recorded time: 4 h 20 min
